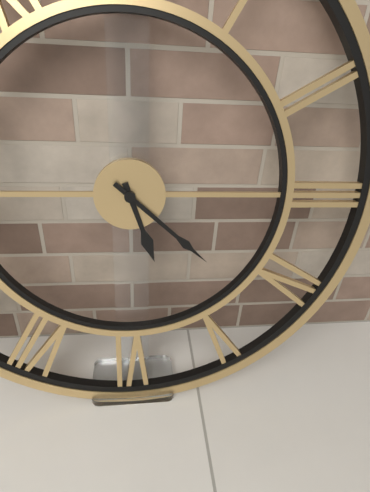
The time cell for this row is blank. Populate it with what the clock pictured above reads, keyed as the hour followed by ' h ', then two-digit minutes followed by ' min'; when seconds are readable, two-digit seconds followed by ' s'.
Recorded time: 5 h 22 min
